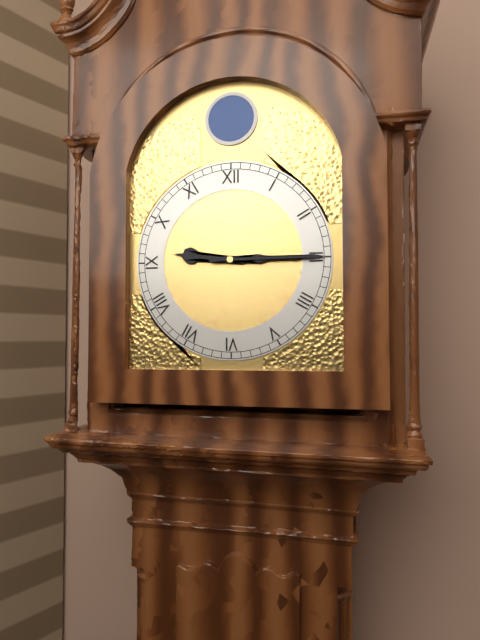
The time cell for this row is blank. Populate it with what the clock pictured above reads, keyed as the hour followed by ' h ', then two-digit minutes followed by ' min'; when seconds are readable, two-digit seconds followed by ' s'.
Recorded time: 9 h 15 min
